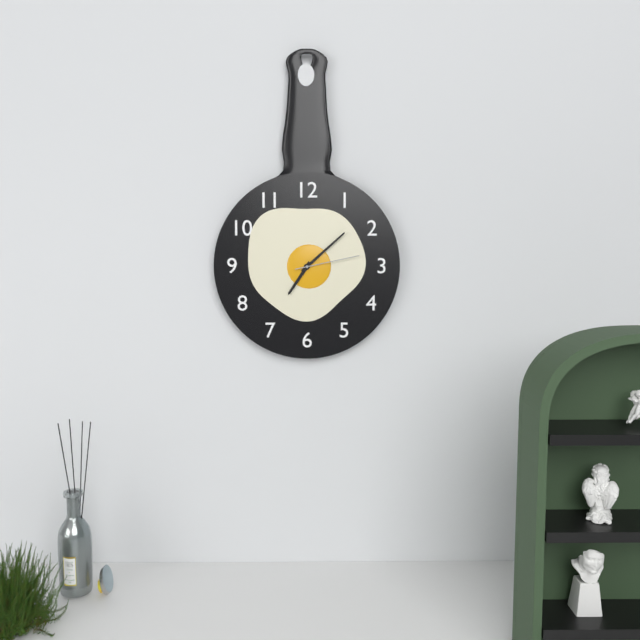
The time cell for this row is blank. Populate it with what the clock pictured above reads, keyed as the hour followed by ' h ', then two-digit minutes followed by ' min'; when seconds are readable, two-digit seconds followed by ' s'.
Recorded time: 7 h 08 min 13 s
